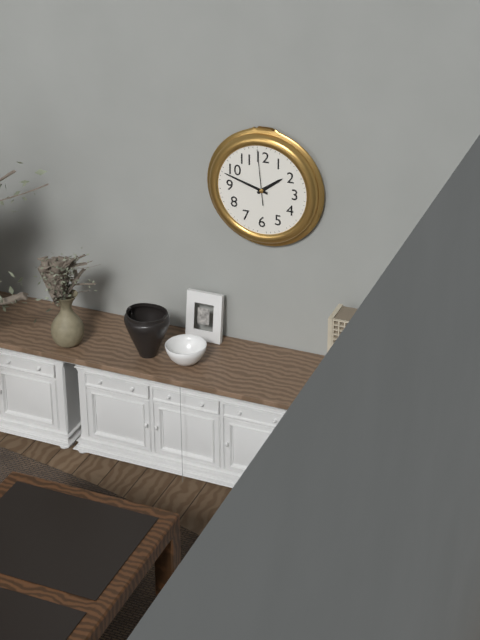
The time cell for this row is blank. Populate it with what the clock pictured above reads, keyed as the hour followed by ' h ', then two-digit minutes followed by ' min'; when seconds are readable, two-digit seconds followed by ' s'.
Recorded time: 1 h 48 min 59 s
